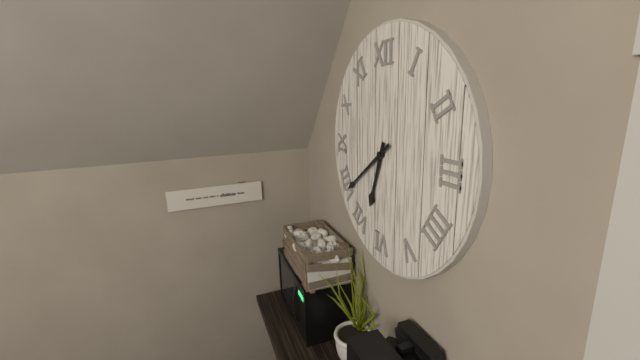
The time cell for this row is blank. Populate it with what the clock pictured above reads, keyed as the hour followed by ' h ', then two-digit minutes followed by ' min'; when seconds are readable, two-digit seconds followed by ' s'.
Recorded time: 6 h 39 min
